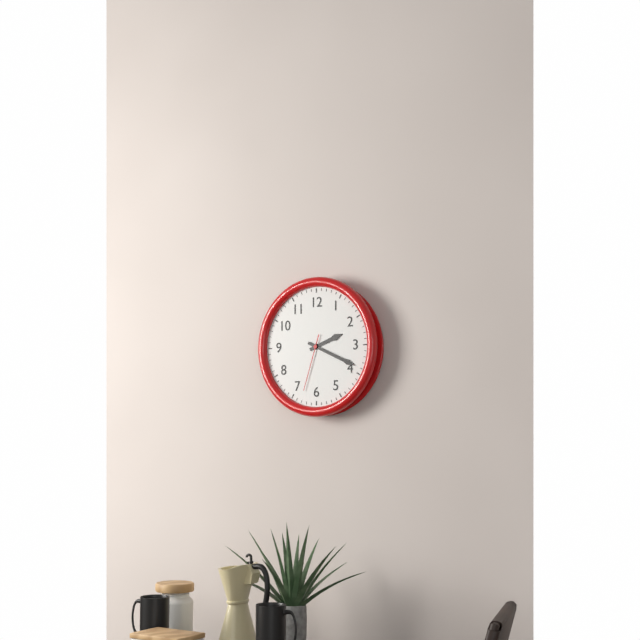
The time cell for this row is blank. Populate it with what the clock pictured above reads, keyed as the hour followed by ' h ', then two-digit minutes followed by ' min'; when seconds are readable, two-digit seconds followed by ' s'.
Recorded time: 2 h 19 min 33 s
